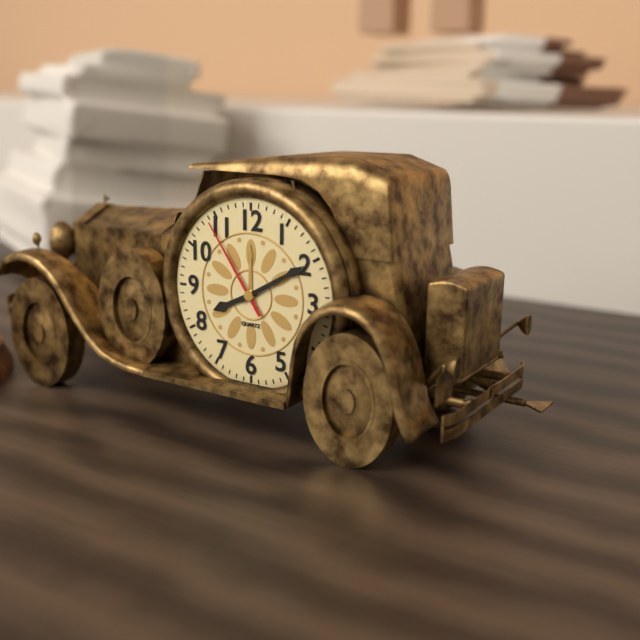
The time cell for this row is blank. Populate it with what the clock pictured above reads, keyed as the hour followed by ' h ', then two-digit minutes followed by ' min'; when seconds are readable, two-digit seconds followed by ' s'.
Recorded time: 8 h 10 min 54 s
